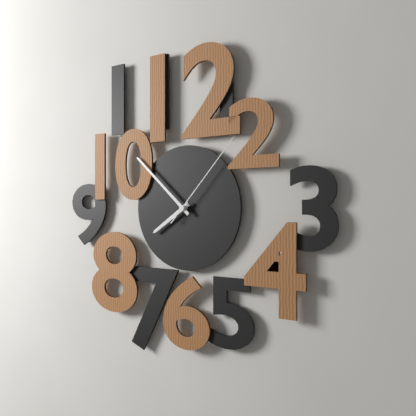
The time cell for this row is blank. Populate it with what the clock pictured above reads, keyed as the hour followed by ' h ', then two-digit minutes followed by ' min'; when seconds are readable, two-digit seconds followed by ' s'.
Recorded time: 7 h 52 min 07 s
